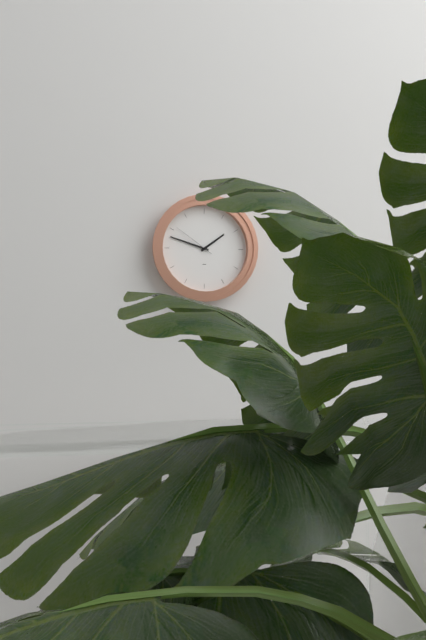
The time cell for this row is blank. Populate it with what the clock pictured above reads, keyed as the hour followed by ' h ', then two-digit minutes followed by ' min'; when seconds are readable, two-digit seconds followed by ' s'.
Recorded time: 1 h 48 min
